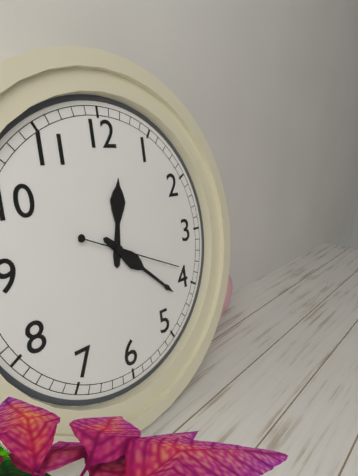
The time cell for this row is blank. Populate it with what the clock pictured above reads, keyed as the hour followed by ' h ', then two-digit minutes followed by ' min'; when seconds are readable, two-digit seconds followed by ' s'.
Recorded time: 12 h 22 min 19 s
